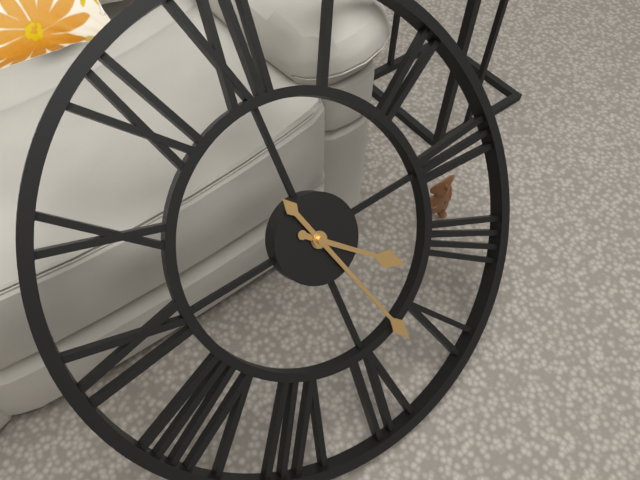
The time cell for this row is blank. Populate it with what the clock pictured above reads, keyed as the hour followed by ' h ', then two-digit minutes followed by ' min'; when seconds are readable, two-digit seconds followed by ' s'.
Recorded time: 4 h 27 min
